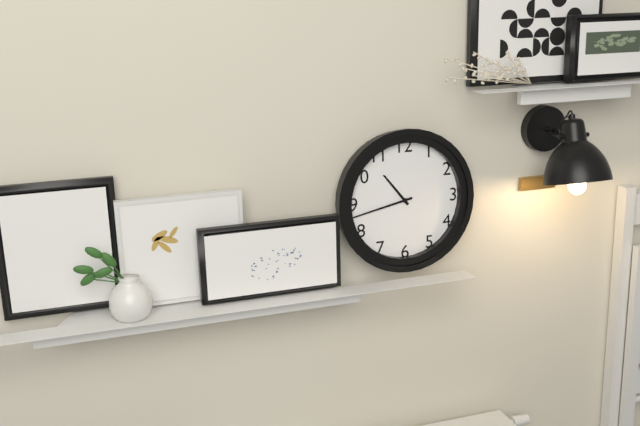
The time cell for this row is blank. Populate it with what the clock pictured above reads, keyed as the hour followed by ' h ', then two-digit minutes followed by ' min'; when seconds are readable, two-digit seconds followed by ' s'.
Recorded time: 10 h 43 min
